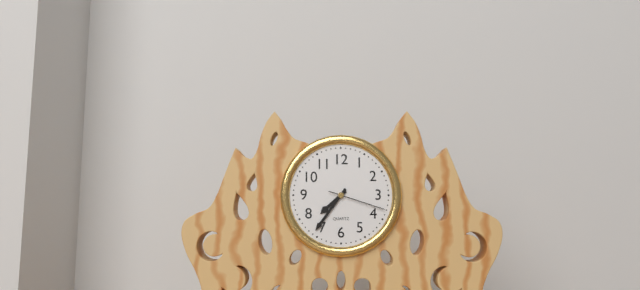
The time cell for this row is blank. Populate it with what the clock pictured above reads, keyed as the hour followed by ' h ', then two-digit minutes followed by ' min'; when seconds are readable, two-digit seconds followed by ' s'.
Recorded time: 7 h 36 min 18 s
